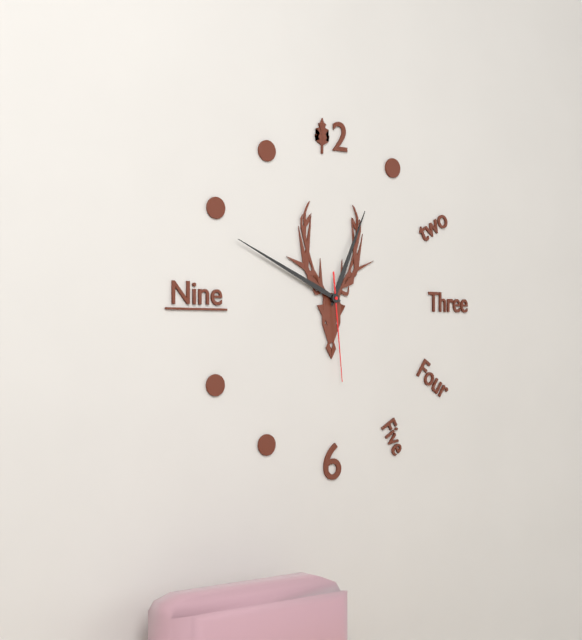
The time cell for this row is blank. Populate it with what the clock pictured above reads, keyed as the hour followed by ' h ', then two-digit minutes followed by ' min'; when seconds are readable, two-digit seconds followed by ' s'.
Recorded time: 12 h 49 min 29 s
